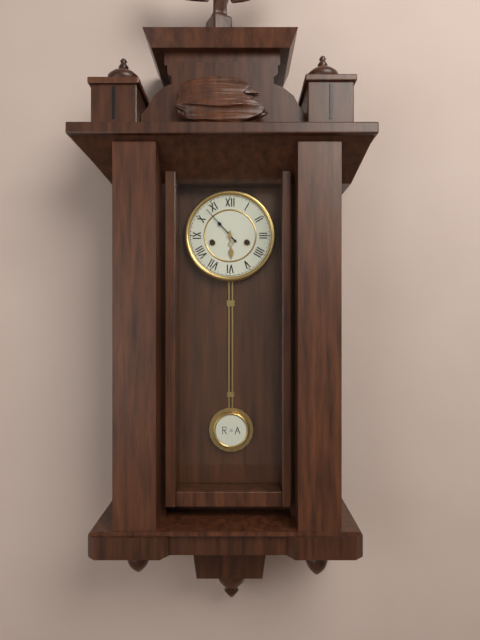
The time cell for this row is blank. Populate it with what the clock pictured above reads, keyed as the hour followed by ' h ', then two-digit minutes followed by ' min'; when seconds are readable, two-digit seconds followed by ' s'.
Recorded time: 5 h 53 min
